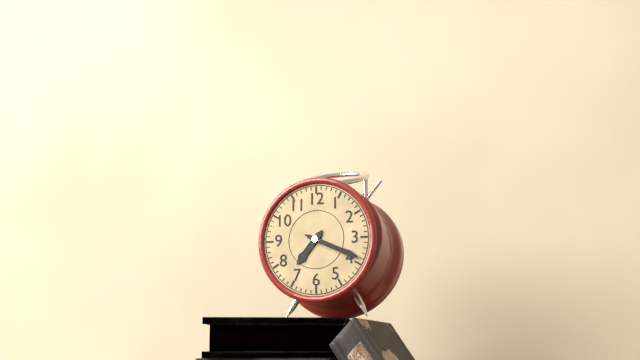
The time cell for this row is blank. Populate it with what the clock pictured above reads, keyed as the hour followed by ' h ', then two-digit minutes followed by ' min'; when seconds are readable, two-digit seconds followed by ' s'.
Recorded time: 7 h 19 min
